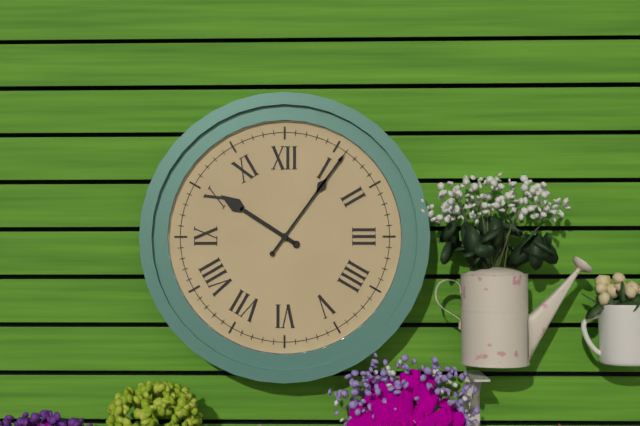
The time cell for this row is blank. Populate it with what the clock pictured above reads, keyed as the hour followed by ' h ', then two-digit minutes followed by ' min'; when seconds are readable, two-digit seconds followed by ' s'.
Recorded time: 10 h 06 min
